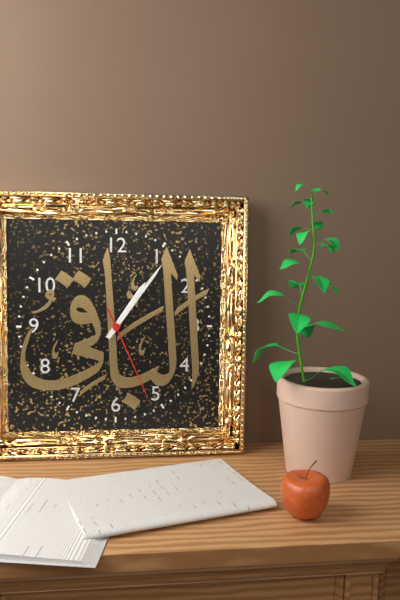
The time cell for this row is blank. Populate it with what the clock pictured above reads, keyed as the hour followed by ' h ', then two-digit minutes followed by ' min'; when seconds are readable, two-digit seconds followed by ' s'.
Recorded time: 1 h 06 min 26 s
